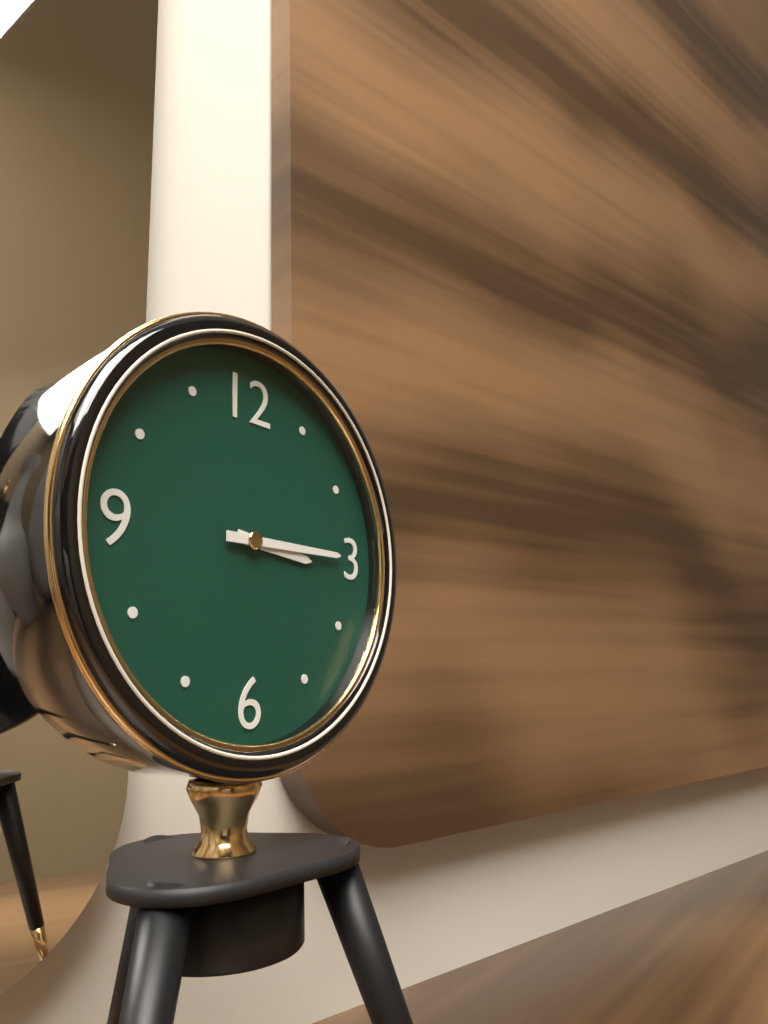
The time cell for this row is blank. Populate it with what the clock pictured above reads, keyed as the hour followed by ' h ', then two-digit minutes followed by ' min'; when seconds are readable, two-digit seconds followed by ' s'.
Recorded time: 3 h 15 min
